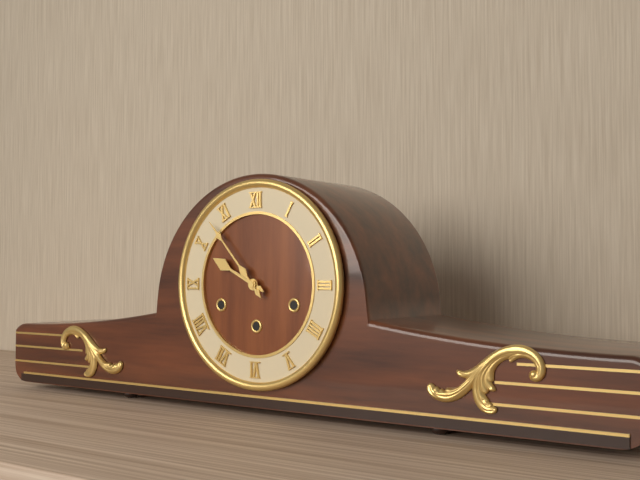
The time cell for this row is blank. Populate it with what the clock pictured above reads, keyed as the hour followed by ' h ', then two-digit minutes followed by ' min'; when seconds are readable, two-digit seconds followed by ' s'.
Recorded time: 9 h 53 min
